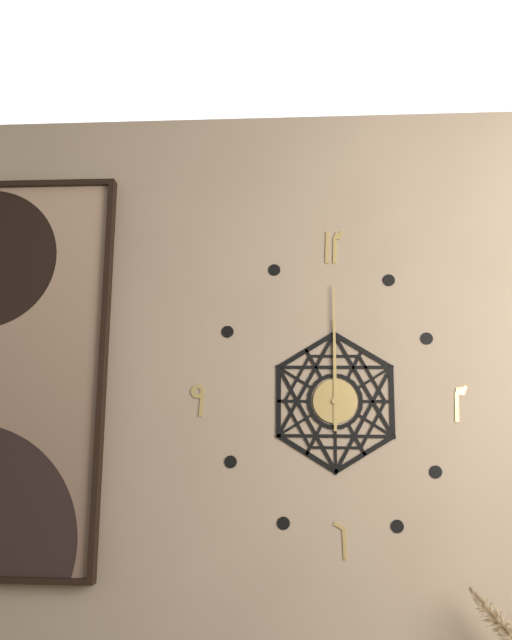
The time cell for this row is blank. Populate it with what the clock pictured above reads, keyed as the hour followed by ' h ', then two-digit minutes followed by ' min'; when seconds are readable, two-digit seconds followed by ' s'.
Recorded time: 12 h 00 min
